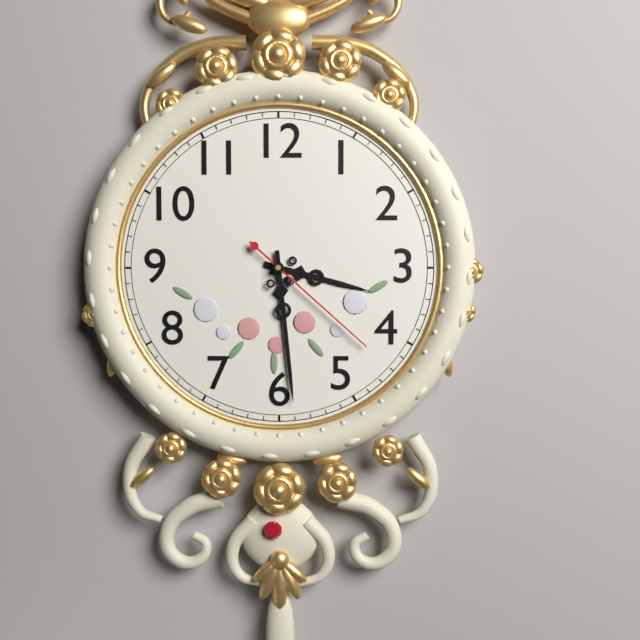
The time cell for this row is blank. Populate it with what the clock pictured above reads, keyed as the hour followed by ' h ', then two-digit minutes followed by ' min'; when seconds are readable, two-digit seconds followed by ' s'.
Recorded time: 3 h 29 min 22 s
